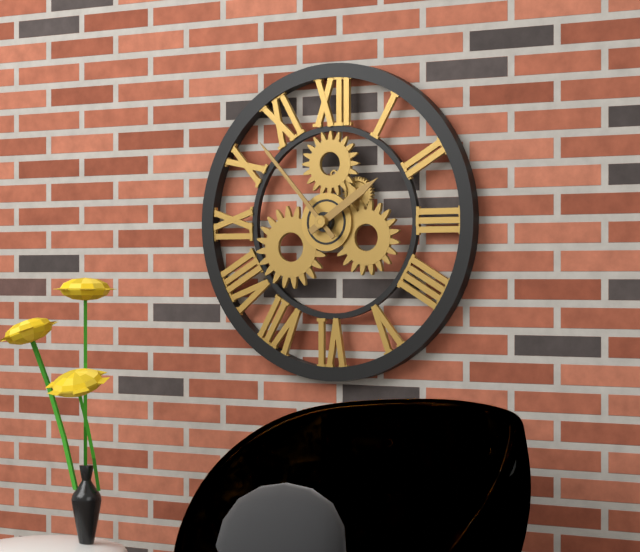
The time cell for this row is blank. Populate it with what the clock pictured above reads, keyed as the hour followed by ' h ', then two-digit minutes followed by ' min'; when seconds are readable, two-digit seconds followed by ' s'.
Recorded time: 1 h 53 min
